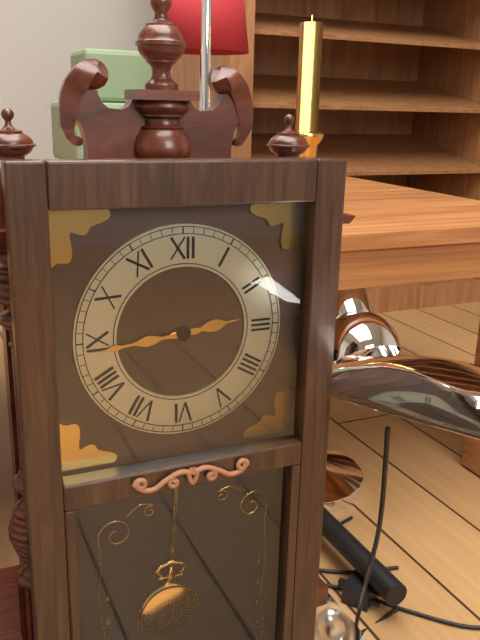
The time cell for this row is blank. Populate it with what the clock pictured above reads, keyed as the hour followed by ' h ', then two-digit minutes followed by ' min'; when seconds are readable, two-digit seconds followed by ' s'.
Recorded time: 2 h 44 min
